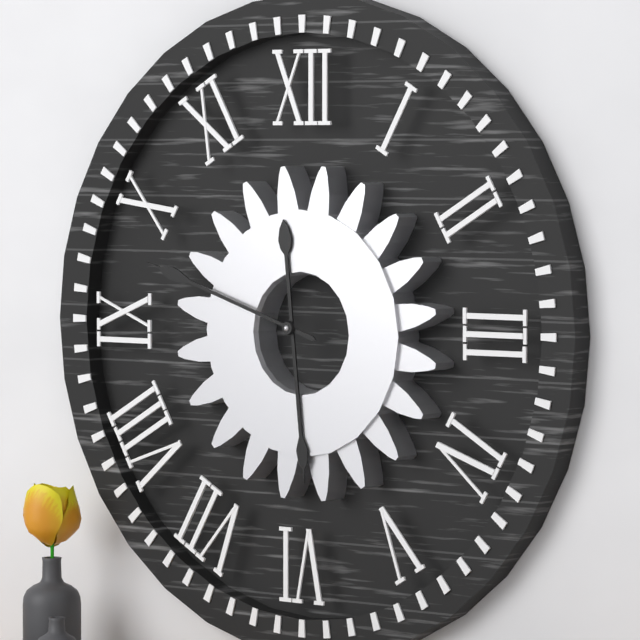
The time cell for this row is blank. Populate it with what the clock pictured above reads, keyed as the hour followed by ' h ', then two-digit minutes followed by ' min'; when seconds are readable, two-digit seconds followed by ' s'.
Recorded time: 5 h 48 min
